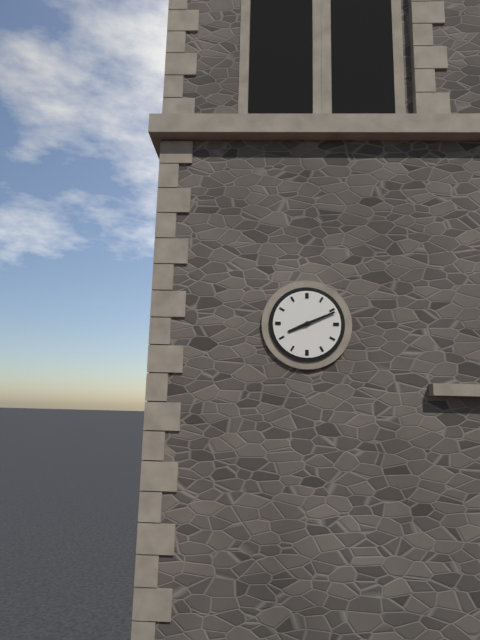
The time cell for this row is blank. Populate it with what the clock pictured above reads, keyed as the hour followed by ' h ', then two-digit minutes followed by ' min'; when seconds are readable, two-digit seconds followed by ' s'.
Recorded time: 8 h 11 min
